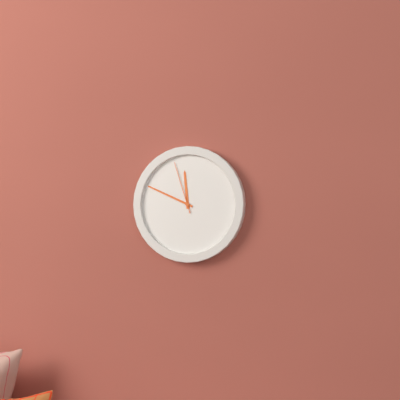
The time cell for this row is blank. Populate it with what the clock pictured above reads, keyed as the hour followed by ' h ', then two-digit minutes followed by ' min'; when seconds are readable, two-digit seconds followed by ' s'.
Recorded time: 11 h 49 min 57 s
